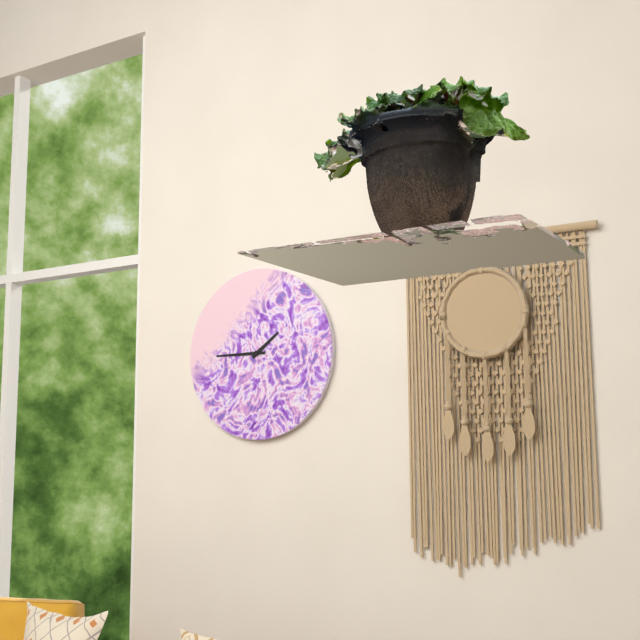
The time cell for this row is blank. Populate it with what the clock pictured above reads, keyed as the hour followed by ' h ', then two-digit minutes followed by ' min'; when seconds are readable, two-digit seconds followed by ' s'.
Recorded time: 1 h 45 min
